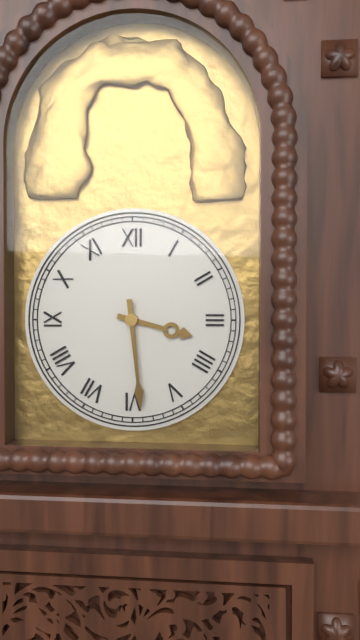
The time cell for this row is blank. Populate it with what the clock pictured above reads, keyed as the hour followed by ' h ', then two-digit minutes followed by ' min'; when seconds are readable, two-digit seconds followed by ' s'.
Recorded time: 3 h 29 min
